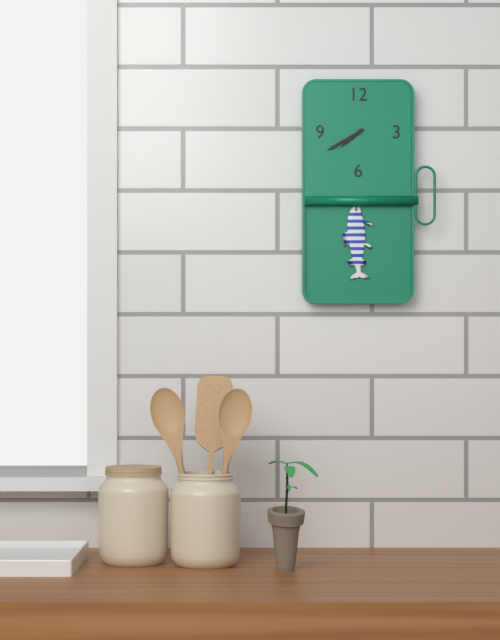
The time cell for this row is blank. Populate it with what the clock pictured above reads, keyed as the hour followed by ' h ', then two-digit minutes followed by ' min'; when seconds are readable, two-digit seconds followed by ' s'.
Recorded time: 7 h 40 min
